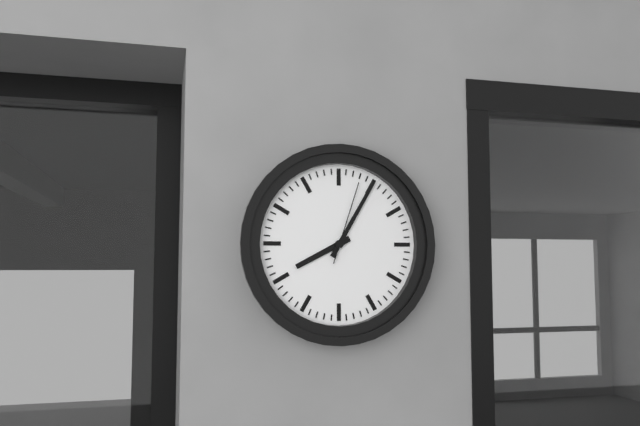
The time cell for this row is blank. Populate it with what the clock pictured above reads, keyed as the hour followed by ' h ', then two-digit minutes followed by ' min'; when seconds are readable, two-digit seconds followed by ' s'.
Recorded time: 8 h 05 min 03 s
